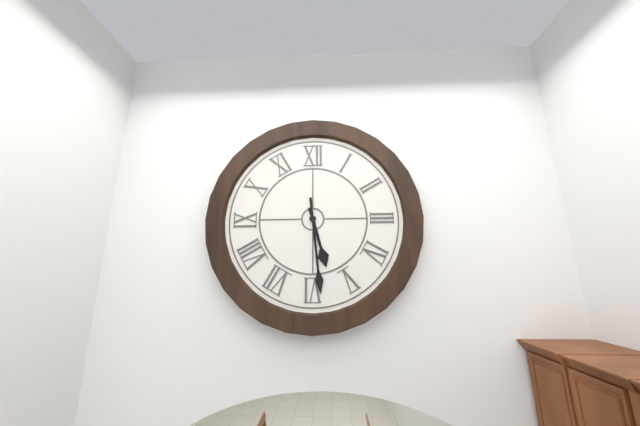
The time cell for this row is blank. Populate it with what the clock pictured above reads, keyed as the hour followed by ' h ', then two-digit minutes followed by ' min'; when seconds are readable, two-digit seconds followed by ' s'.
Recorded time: 5 h 29 min
